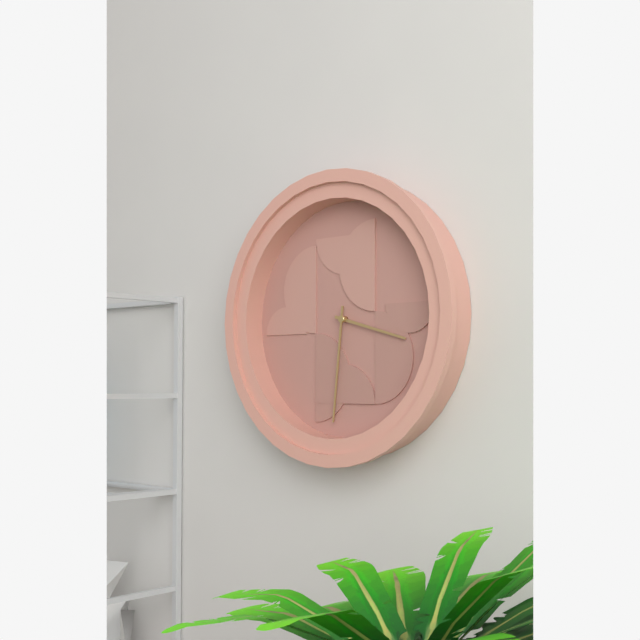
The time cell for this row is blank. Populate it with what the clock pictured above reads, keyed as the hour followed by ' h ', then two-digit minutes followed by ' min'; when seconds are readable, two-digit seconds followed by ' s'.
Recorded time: 3 h 31 min
